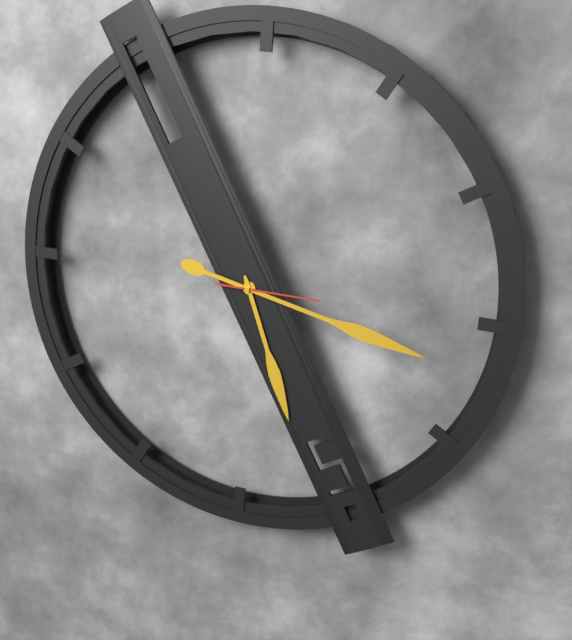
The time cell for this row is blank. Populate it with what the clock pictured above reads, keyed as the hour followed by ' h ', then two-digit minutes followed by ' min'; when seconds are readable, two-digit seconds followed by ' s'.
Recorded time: 5 h 17 min 15 s
